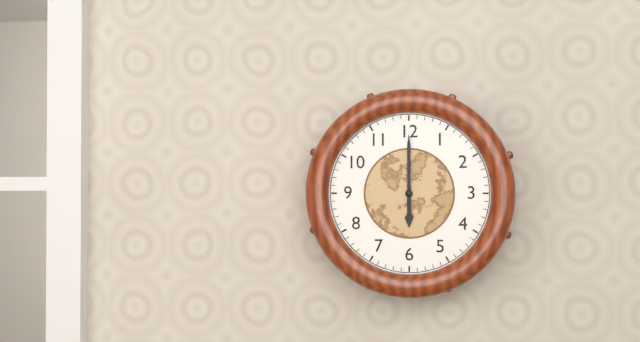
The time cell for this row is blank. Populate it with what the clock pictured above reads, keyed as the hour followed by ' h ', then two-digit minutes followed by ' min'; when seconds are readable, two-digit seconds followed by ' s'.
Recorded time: 6 h 00 min
